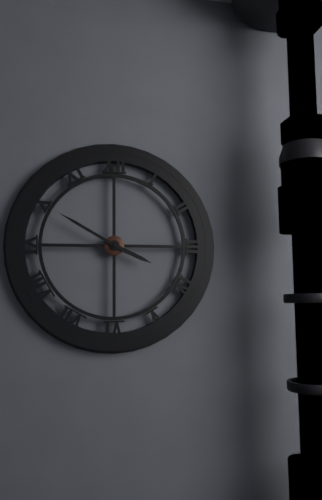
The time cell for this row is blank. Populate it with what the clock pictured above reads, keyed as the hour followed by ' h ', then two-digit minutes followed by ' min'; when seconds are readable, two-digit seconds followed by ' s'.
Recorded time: 3 h 50 min
